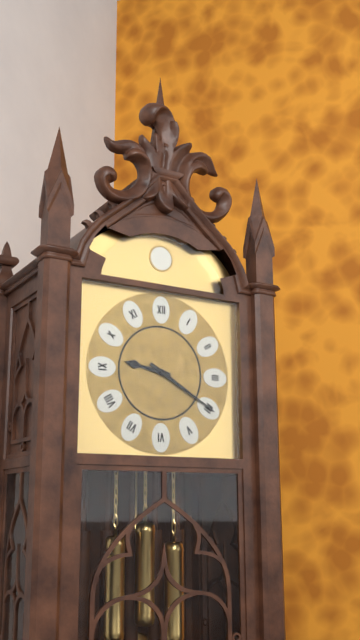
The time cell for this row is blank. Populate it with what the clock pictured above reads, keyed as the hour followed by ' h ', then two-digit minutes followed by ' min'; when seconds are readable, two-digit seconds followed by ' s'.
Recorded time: 9 h 20 min
